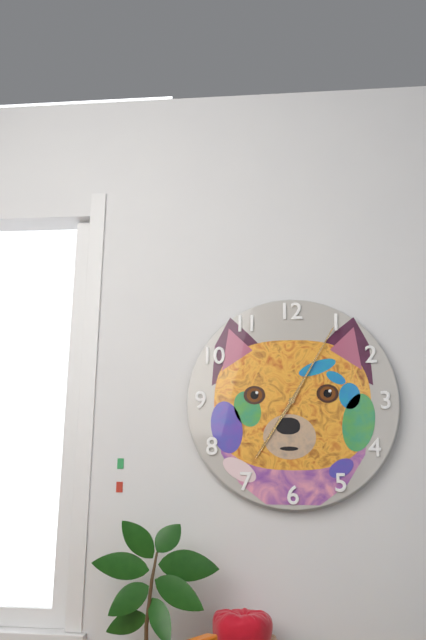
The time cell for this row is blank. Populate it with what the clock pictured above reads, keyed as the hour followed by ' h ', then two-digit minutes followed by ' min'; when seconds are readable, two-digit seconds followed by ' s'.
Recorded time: 7 h 05 min
